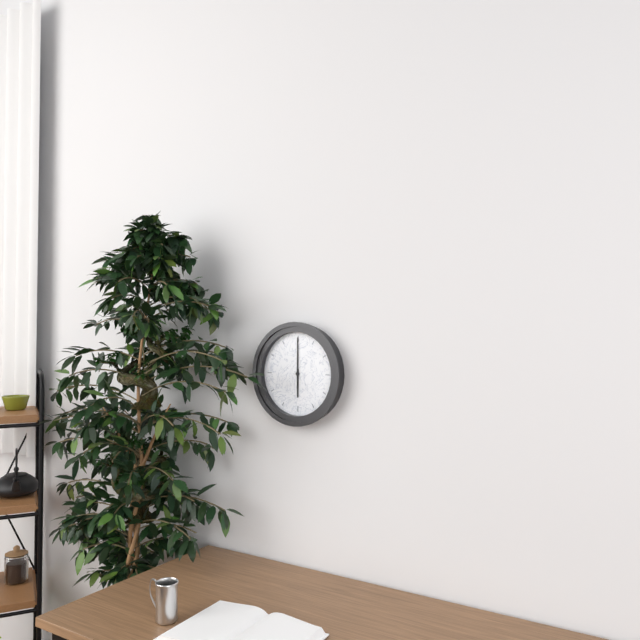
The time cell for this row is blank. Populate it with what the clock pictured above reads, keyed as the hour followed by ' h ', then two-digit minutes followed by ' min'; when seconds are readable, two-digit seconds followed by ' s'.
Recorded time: 6 h 00 min
